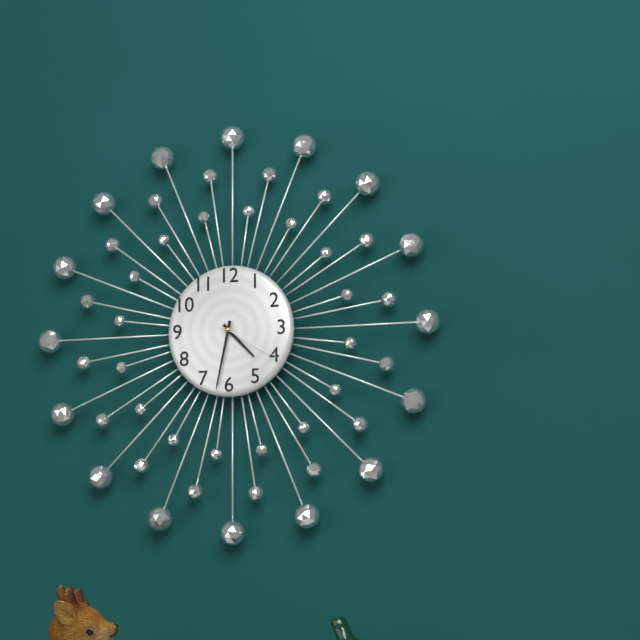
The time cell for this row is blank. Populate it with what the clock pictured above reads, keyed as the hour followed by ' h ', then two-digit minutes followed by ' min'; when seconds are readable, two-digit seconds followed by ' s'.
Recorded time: 4 h 32 min 20 s
